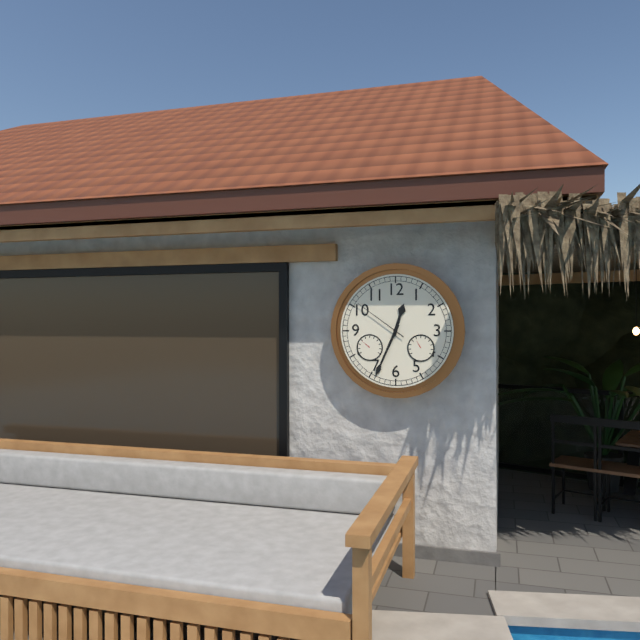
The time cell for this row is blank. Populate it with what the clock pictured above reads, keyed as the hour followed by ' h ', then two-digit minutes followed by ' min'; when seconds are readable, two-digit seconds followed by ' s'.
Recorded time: 12 h 34 min 51 s
